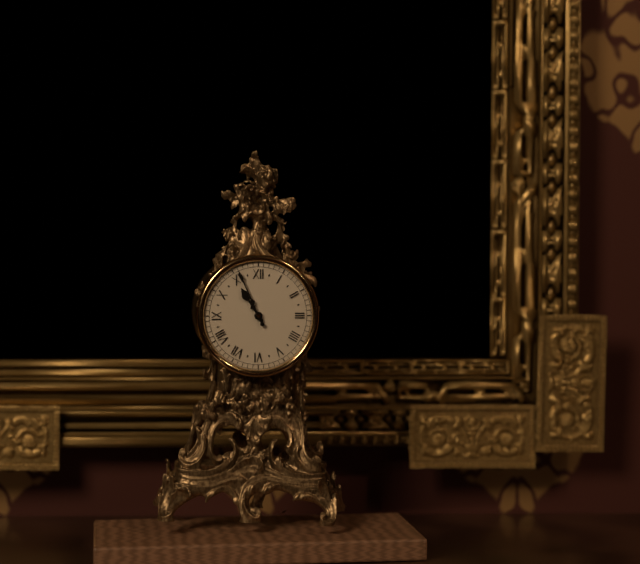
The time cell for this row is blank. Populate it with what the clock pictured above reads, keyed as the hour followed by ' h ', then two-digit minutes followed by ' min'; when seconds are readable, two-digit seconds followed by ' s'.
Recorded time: 10 h 56 min
